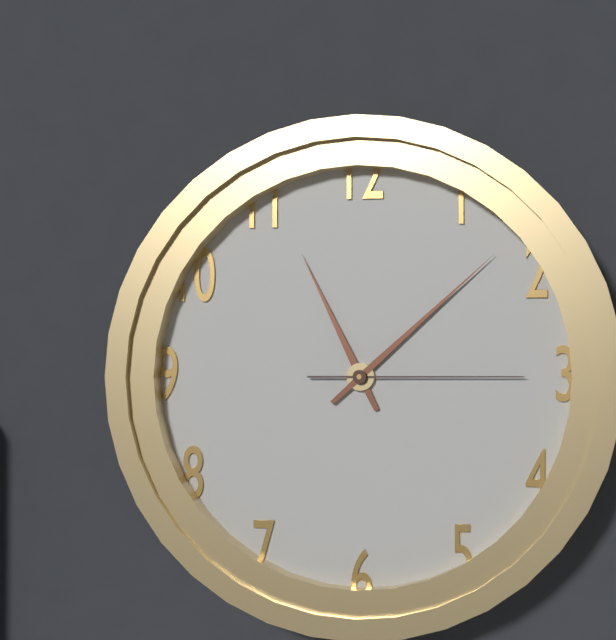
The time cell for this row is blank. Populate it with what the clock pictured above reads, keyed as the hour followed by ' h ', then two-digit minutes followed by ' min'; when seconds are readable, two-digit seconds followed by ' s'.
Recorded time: 11 h 08 min 15 s
